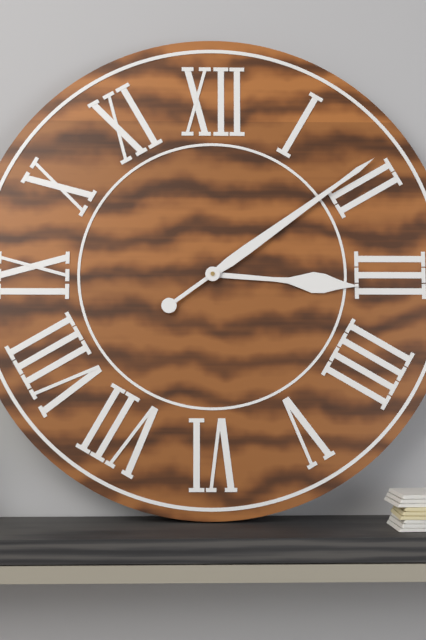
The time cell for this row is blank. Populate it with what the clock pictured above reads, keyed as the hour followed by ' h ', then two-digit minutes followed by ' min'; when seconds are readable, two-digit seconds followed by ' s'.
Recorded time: 3 h 09 min
